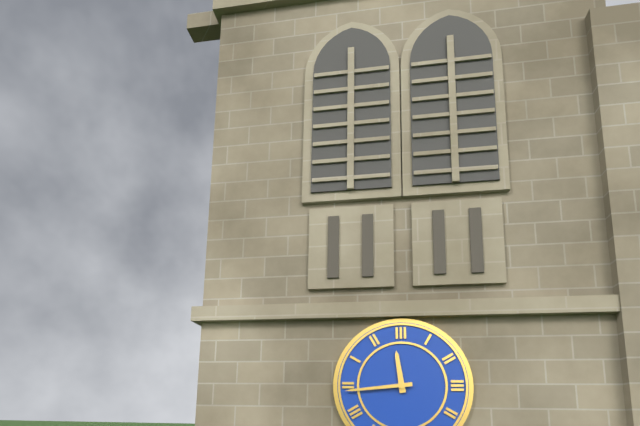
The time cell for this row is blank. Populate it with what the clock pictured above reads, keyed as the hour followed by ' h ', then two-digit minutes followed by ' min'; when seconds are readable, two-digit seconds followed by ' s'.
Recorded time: 11 h 44 min
